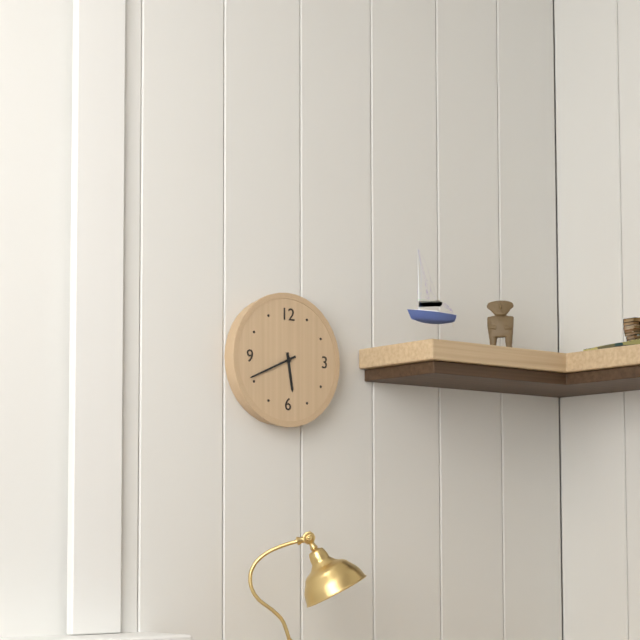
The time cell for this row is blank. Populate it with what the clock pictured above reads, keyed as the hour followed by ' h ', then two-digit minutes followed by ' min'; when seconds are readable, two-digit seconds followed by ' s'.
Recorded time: 5 h 41 min
